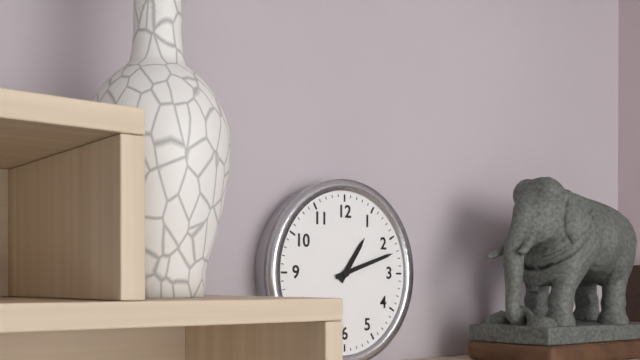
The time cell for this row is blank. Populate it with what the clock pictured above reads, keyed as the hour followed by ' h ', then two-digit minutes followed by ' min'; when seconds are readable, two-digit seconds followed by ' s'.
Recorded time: 1 h 12 min
